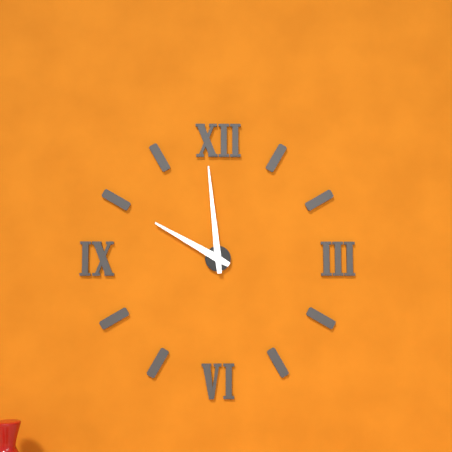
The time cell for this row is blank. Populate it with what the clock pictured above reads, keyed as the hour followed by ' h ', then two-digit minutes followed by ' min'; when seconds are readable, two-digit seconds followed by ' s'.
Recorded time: 9 h 59 min
